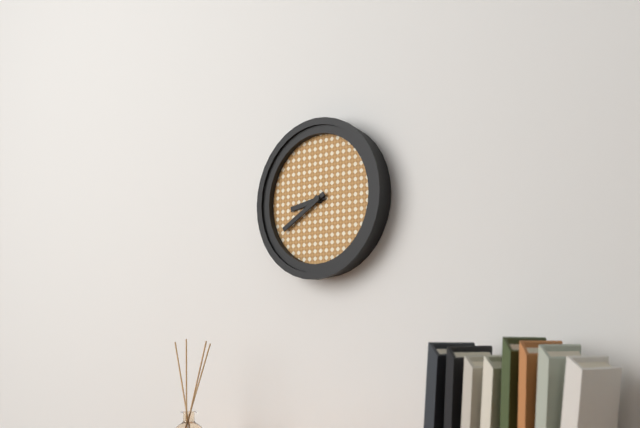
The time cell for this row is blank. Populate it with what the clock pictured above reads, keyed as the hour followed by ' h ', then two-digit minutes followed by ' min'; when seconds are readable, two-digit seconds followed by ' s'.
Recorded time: 8 h 40 min
